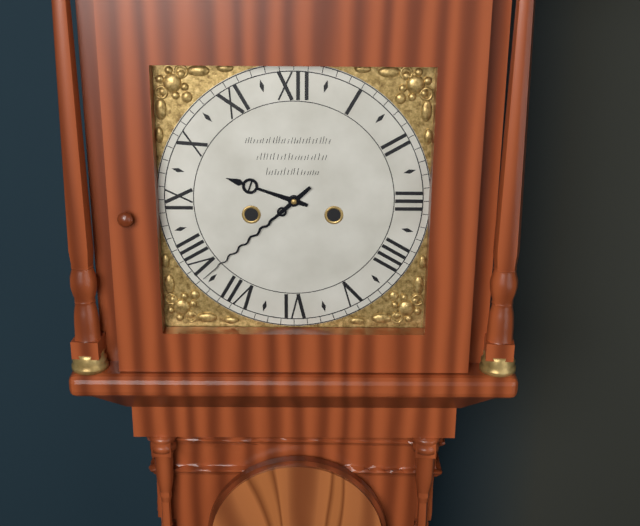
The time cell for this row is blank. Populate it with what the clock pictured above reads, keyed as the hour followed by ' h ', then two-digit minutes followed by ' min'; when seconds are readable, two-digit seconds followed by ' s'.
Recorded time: 9 h 38 min
